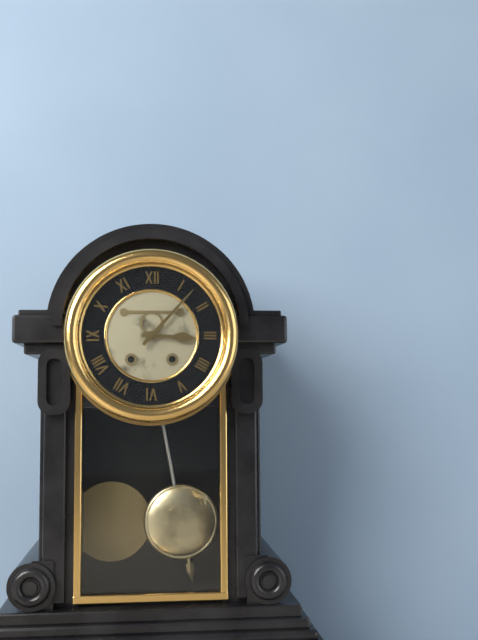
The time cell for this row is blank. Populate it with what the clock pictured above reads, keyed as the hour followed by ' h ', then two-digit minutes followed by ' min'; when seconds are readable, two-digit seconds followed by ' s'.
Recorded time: 3 h 07 min
